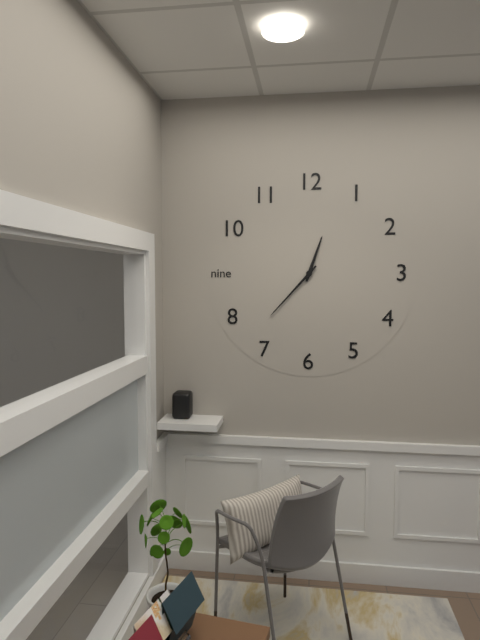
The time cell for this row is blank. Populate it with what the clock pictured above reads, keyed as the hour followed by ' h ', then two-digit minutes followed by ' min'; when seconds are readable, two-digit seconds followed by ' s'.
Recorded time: 12 h 37 min
